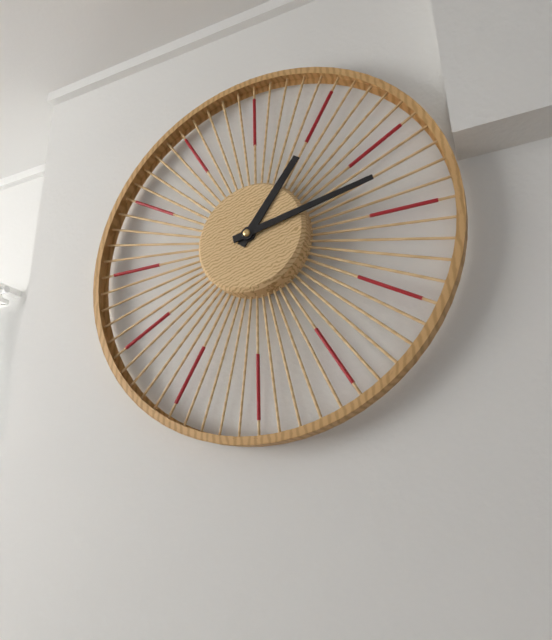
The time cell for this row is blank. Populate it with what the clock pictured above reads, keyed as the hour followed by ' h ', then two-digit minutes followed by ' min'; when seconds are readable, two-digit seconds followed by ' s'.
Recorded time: 1 h 13 min
